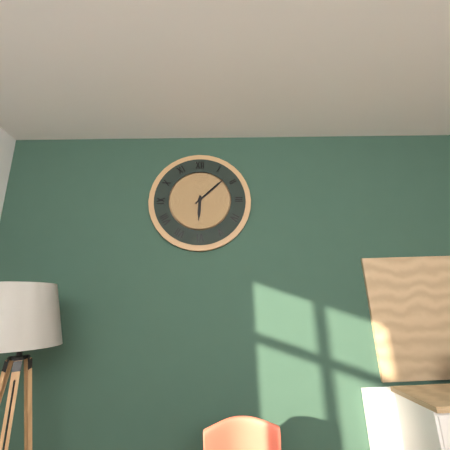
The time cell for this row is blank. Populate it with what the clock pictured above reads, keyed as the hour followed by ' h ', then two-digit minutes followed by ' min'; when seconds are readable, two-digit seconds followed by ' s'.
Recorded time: 6 h 08 min
